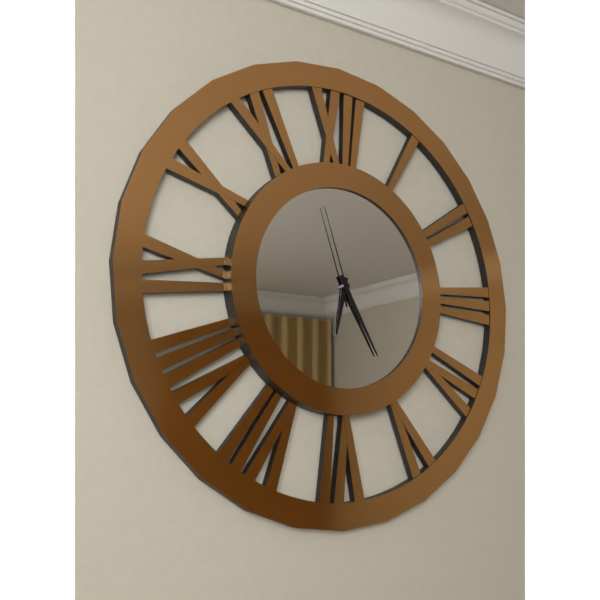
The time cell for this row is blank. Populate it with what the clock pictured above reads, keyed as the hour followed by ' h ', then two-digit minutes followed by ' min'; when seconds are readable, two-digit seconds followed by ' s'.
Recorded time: 6 h 25 min 57 s
